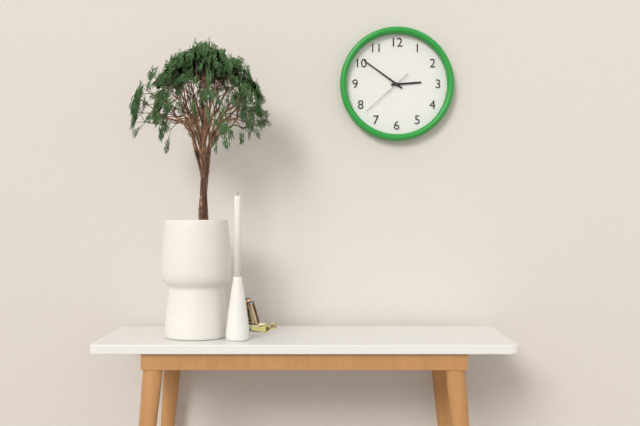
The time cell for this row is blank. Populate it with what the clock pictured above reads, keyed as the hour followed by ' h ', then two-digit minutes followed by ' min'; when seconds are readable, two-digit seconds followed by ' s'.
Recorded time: 2 h 51 min 38 s
